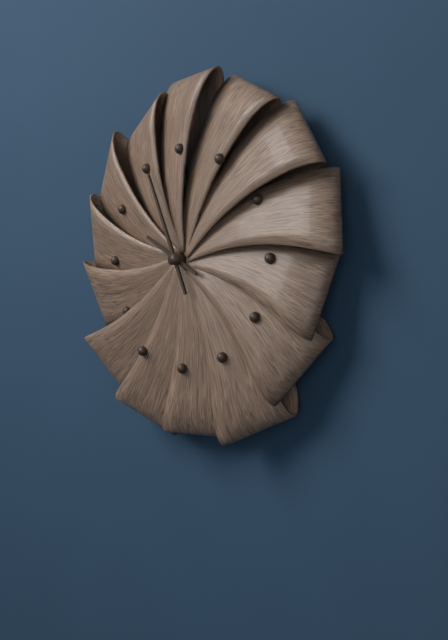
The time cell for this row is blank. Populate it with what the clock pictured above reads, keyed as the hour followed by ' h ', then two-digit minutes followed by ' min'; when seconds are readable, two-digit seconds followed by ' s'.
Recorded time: 9 h 56 min
